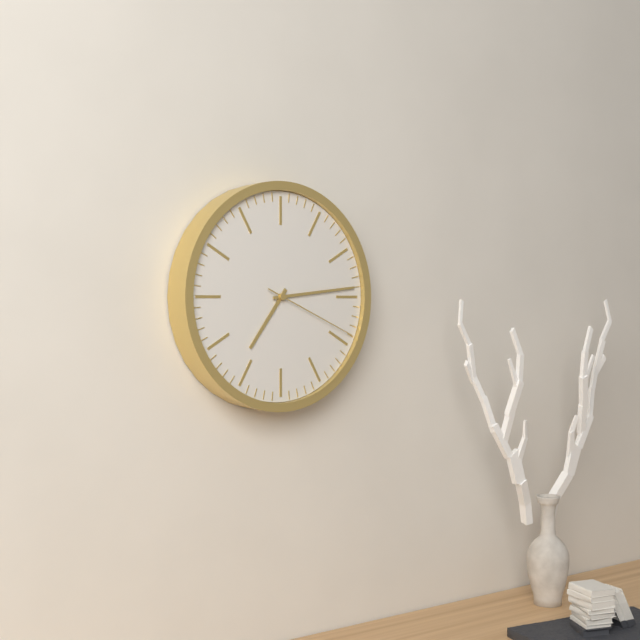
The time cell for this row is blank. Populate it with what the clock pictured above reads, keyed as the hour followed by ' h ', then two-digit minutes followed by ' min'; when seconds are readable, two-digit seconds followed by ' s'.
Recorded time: 7 h 14 min 19 s
